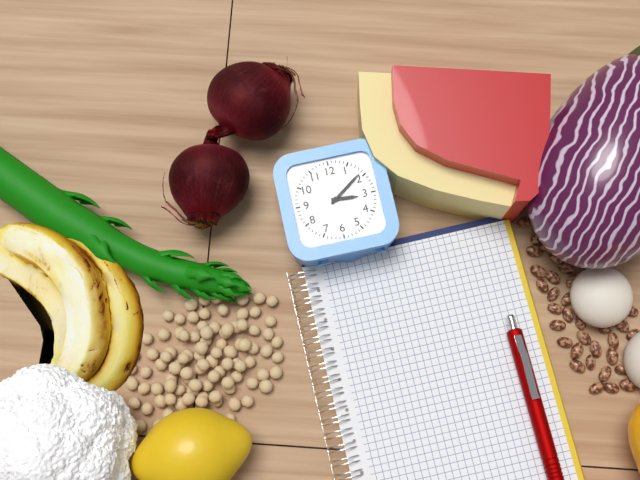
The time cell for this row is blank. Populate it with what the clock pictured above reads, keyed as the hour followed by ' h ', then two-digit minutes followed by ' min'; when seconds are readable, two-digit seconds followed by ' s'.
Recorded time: 3 h 09 min
